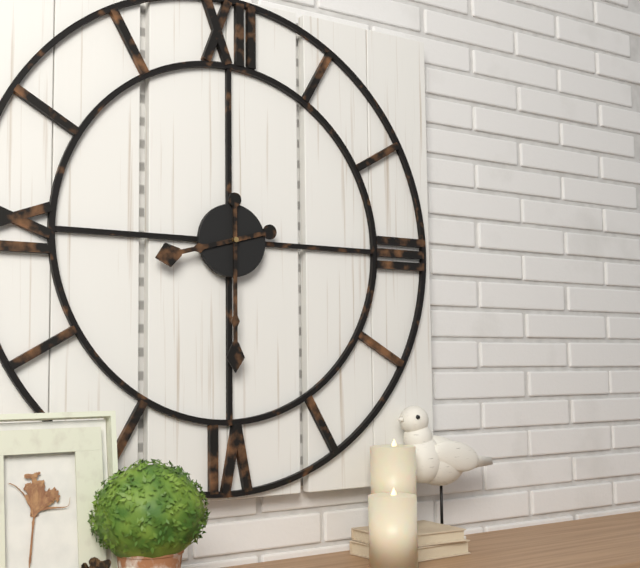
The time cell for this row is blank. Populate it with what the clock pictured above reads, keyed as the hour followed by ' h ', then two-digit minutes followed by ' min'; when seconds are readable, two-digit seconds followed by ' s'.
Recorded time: 8 h 30 min
